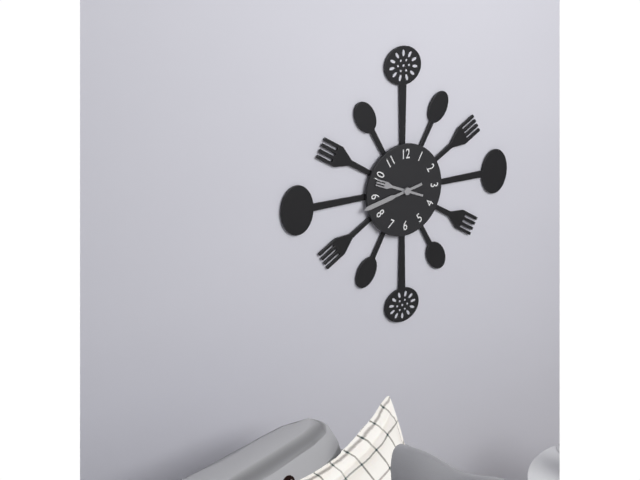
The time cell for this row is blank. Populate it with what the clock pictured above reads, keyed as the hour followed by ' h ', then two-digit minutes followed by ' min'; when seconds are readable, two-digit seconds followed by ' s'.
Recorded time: 9 h 43 min
